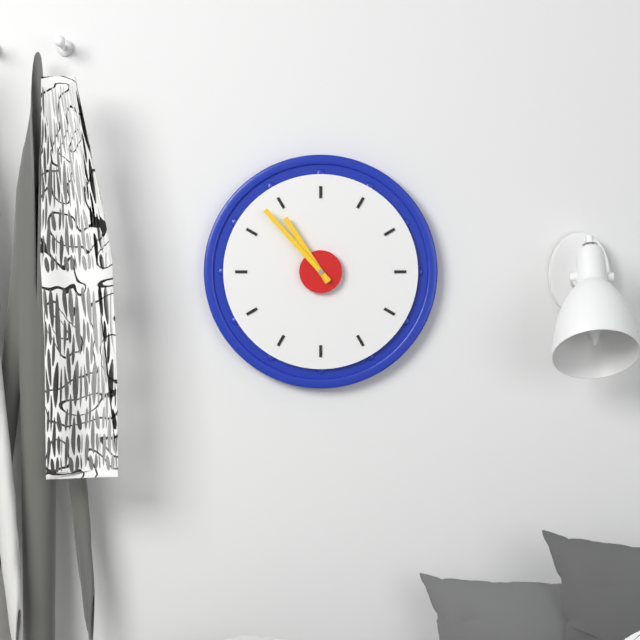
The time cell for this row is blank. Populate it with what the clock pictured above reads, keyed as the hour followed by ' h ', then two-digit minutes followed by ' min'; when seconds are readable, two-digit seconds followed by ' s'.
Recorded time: 10 h 53 min
